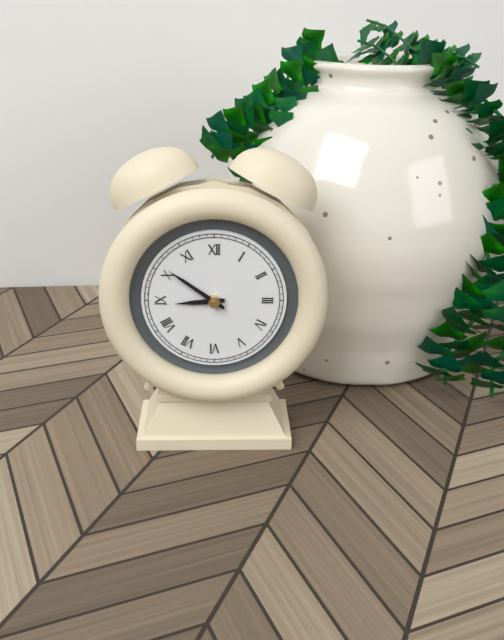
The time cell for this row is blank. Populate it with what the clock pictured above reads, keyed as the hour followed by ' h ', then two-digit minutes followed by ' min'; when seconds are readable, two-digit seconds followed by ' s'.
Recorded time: 8 h 51 min
